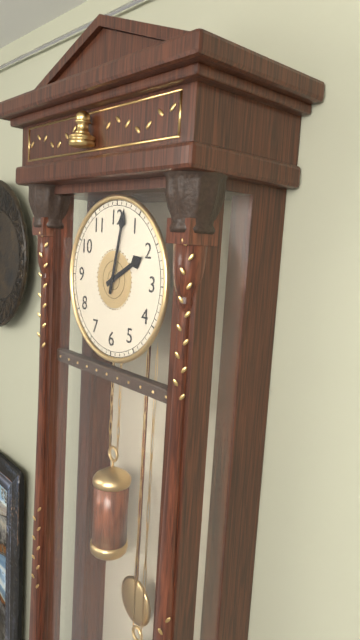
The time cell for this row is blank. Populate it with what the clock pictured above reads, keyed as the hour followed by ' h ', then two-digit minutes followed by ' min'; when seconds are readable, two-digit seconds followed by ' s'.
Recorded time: 2 h 02 min
